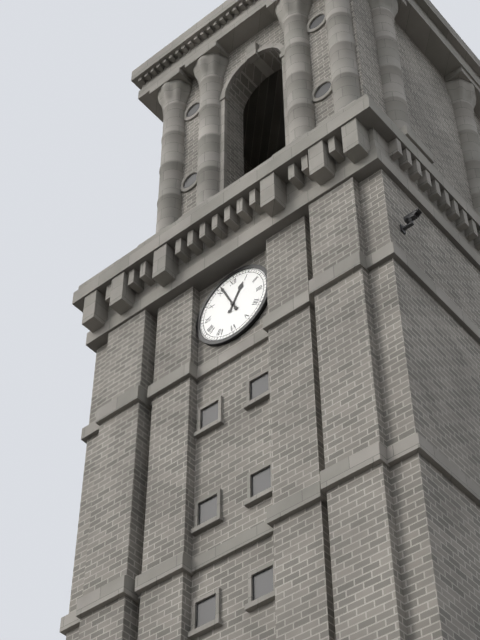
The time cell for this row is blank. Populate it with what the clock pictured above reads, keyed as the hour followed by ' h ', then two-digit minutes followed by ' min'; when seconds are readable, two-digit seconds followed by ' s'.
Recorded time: 12 h 56 min
